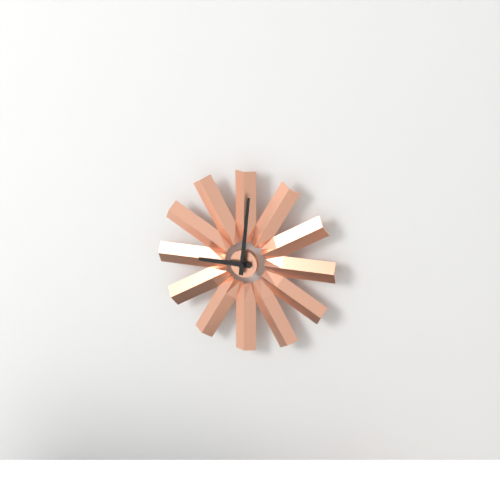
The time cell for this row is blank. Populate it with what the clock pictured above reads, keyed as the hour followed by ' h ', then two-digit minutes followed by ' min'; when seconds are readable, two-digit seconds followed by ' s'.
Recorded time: 9 h 01 min
